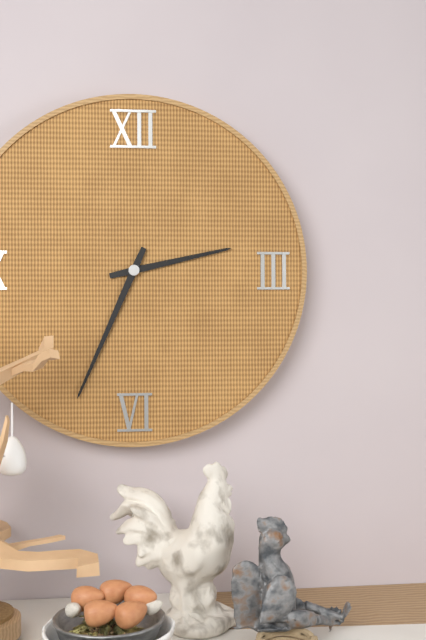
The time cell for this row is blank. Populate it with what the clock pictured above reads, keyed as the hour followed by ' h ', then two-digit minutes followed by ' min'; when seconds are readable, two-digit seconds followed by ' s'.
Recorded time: 2 h 34 min
